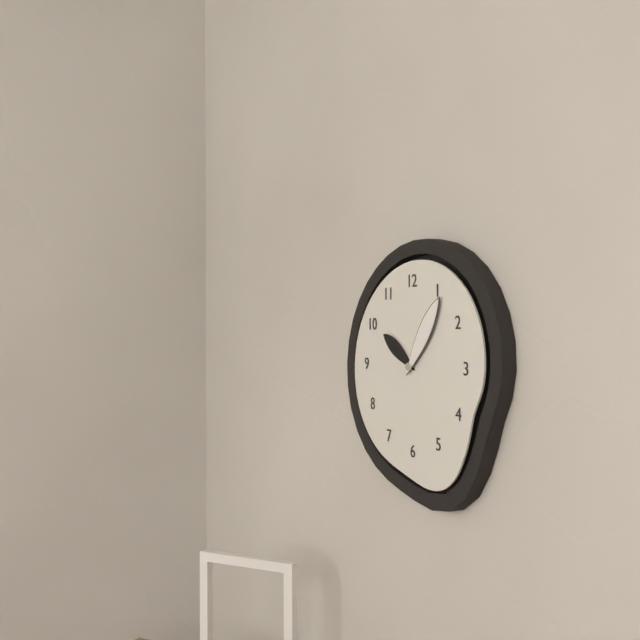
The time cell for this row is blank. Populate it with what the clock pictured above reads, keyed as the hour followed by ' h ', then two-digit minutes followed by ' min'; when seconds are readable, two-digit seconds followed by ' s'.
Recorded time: 10 h 06 min
